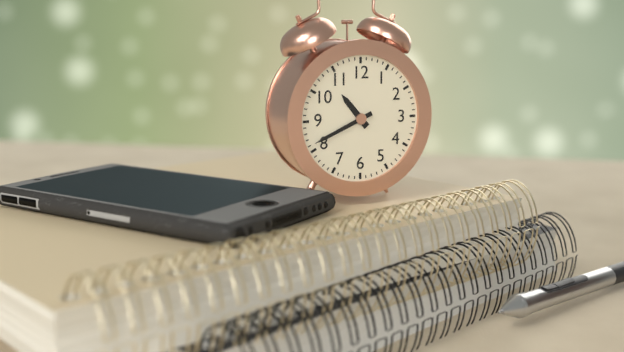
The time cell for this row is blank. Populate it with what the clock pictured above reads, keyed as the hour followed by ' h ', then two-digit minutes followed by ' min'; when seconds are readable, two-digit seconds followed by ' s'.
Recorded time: 10 h 41 min
